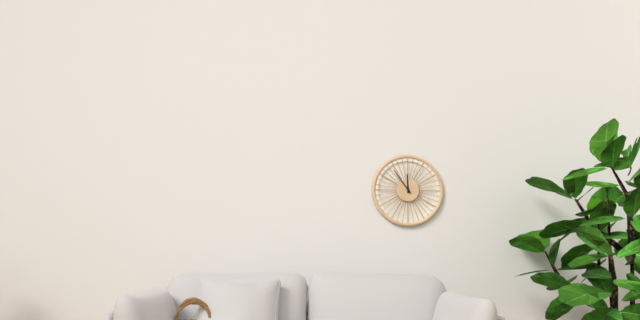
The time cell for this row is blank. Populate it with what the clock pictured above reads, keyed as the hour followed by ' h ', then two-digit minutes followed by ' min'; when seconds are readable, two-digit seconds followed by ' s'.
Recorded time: 11 h 54 min
